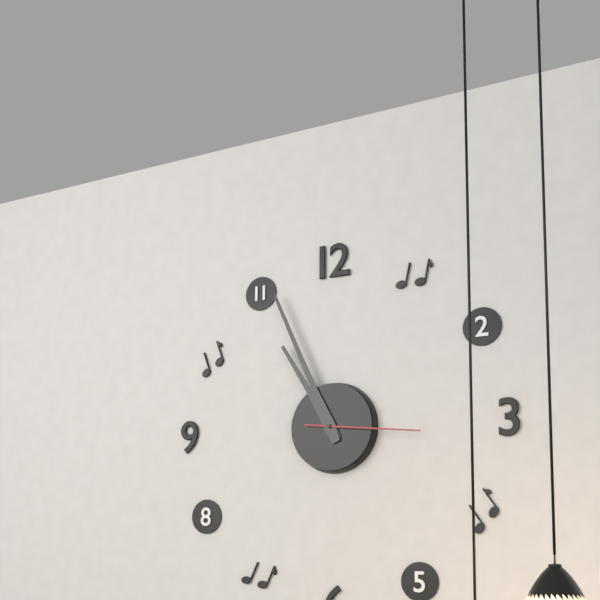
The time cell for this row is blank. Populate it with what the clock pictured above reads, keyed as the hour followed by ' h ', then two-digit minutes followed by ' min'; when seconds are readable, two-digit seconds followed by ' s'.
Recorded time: 10 h 56 min 16 s
